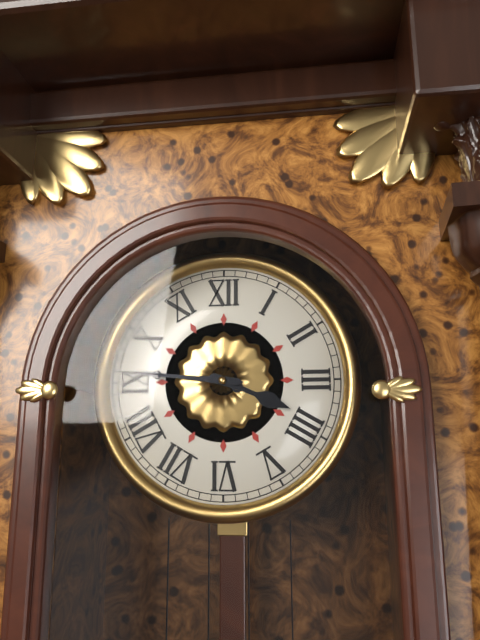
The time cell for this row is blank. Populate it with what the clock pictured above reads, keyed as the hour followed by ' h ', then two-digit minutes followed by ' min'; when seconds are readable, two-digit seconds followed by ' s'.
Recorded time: 3 h 46 min
